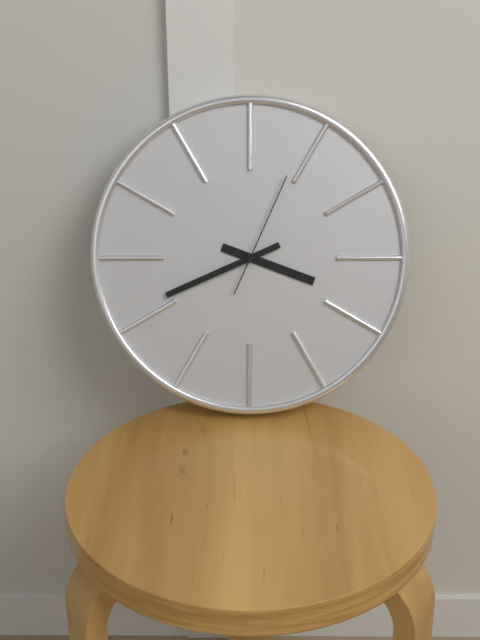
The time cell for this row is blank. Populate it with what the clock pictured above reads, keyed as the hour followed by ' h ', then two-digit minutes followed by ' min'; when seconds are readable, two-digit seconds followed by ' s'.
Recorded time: 3 h 41 min 04 s
